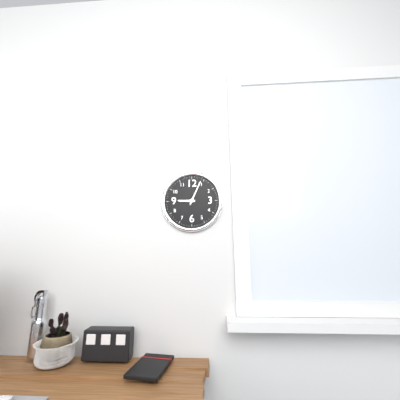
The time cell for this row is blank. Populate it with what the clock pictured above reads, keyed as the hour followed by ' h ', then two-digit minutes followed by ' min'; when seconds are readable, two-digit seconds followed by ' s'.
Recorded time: 9 h 04 min
